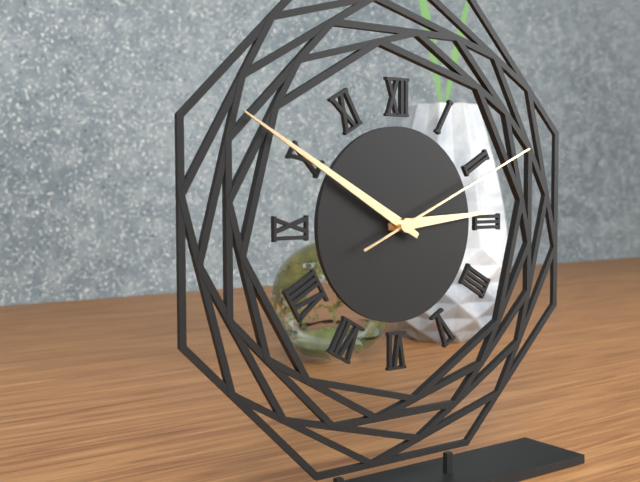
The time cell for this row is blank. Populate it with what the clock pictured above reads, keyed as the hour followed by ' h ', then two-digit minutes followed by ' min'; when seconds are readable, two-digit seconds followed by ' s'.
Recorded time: 2 h 50 min 11 s
